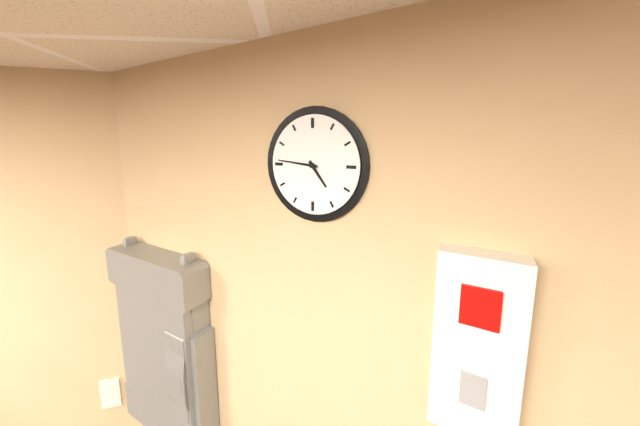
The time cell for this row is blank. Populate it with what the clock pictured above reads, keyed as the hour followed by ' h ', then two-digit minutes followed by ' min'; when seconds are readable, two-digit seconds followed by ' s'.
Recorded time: 4 h 46 min
